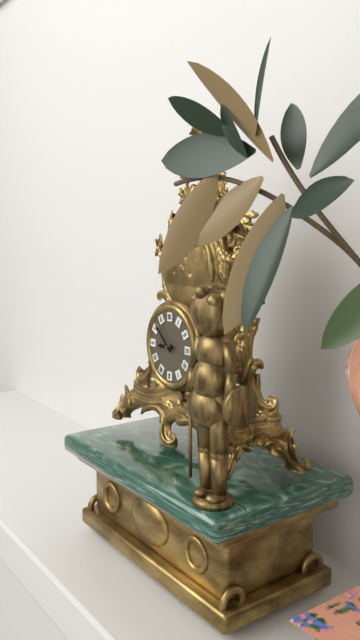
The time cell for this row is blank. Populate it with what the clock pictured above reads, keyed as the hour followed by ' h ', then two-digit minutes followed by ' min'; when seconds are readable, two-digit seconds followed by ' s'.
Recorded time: 8 h 52 min
